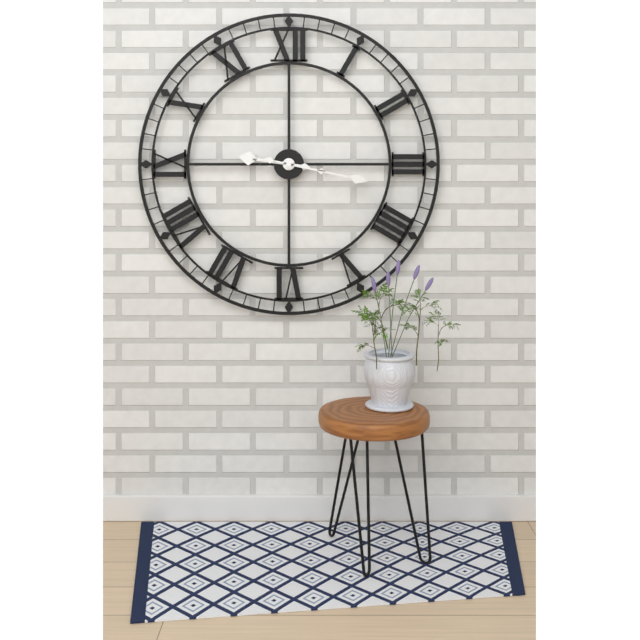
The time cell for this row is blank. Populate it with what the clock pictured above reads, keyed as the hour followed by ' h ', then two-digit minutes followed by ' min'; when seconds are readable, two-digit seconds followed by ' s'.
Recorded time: 9 h 17 min
